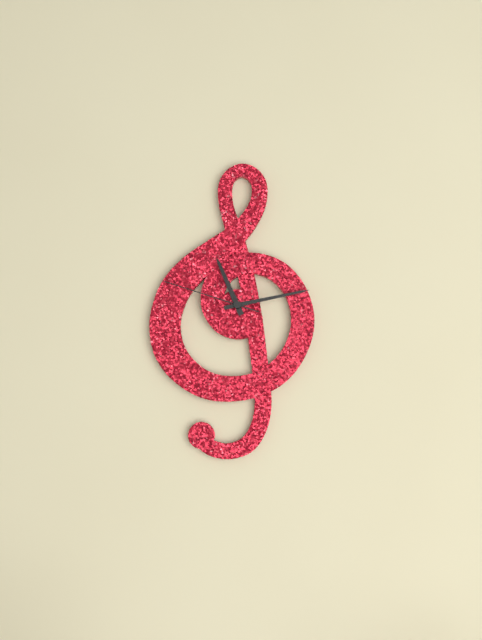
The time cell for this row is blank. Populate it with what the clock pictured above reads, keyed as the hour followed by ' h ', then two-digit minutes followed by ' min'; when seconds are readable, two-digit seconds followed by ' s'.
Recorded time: 11 h 13 min 48 s
